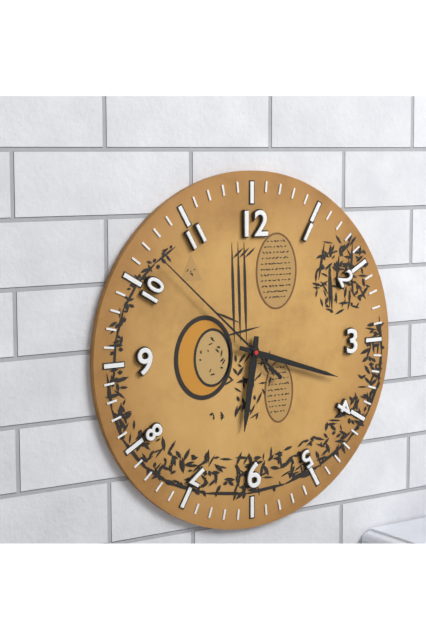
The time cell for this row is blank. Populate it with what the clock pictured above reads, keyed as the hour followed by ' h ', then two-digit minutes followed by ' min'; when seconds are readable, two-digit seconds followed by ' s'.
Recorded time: 6 h 18 min 52 s
